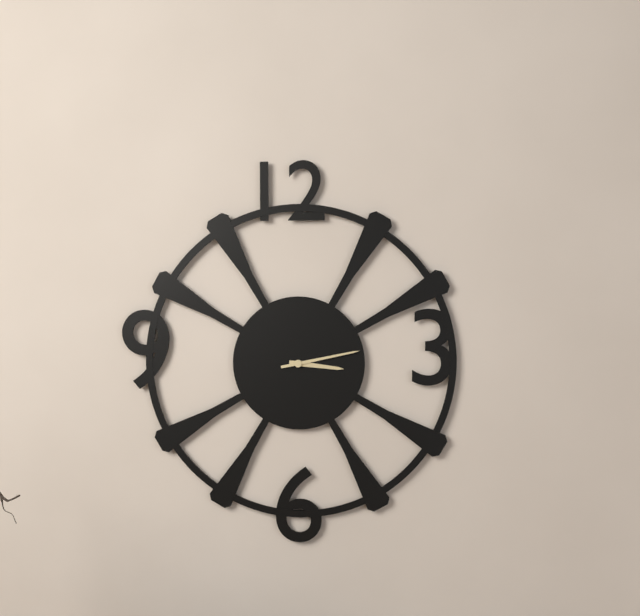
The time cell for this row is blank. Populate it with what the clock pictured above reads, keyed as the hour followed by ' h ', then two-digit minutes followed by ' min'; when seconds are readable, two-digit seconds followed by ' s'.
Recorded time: 3 h 13 min
